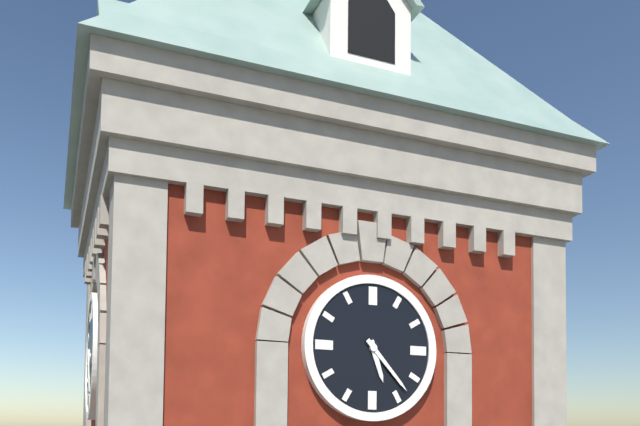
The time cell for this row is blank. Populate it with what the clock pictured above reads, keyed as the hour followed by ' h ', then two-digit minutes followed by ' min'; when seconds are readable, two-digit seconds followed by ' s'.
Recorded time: 5 h 23 min
